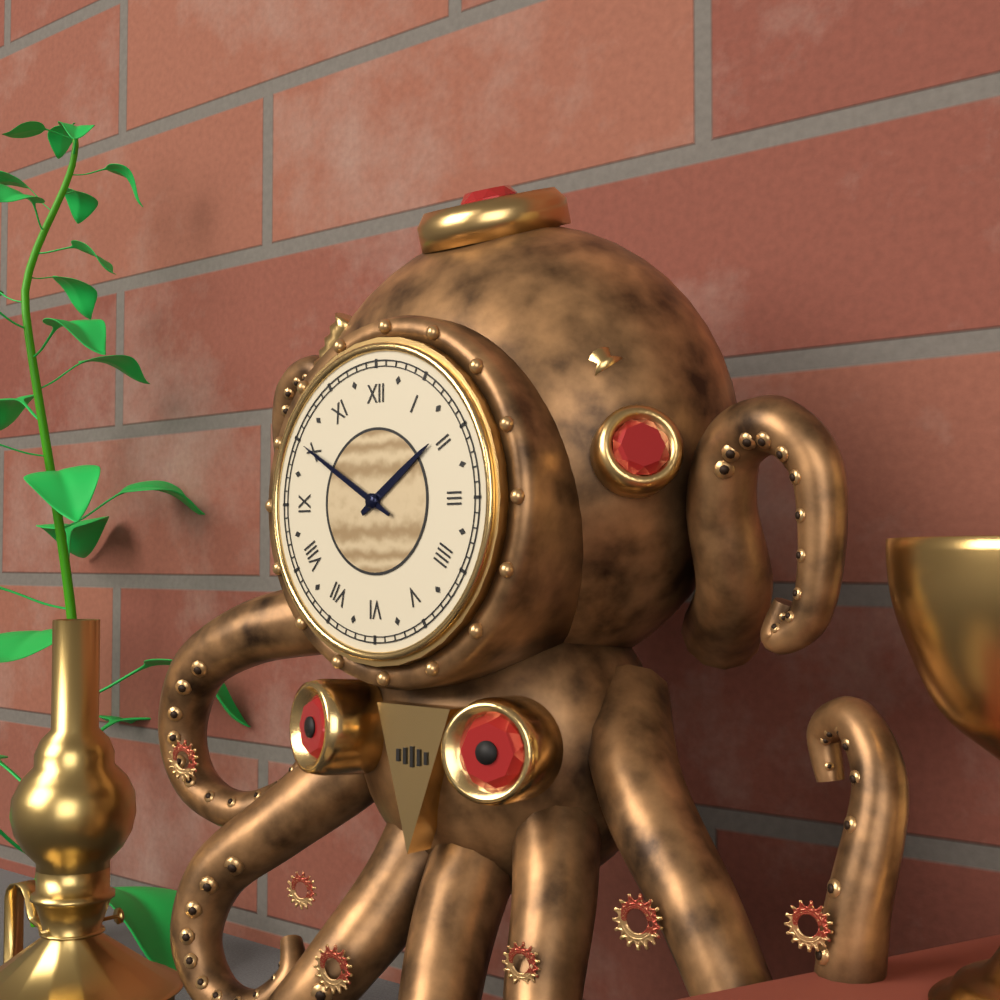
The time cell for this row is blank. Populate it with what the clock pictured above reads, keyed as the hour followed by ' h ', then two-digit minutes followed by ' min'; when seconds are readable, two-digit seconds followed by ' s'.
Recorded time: 1 h 50 min
